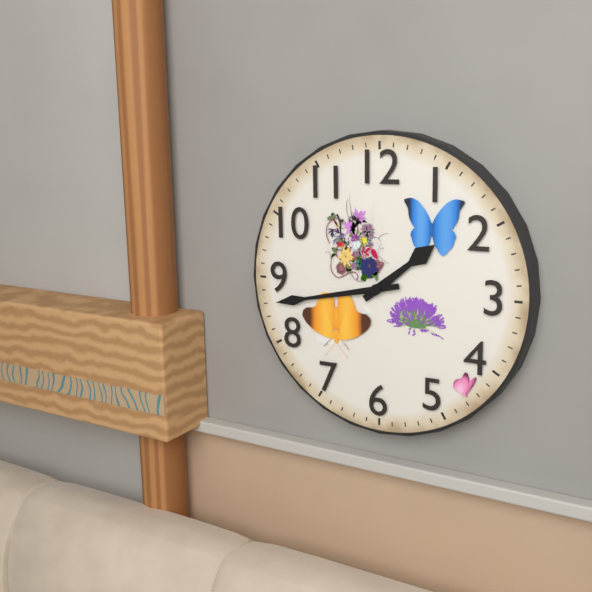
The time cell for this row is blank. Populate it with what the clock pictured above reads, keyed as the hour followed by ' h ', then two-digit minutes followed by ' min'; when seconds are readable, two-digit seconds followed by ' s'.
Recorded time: 1 h 43 min
